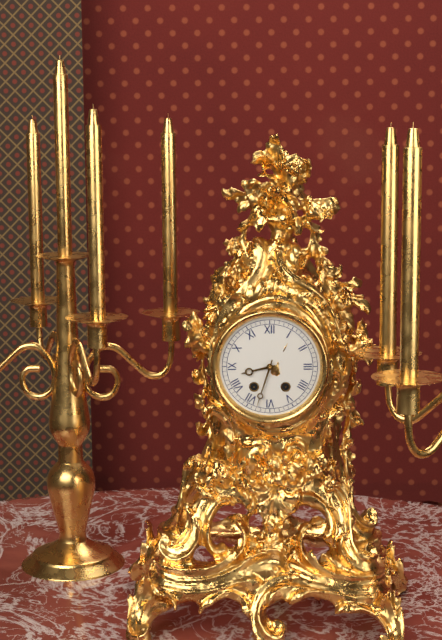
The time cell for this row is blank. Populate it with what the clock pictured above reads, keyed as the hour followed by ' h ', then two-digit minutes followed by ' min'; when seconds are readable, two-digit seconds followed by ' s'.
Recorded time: 8 h 33 min
